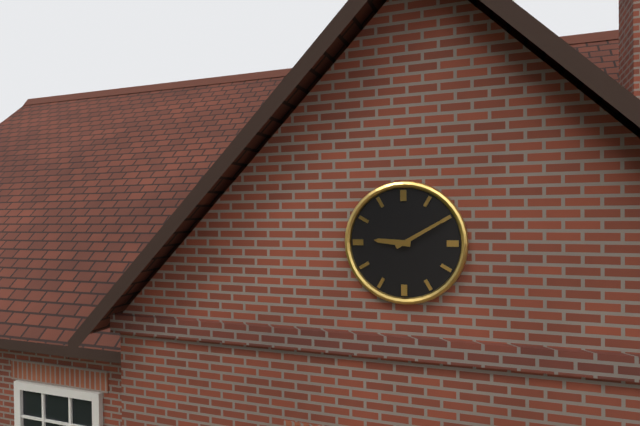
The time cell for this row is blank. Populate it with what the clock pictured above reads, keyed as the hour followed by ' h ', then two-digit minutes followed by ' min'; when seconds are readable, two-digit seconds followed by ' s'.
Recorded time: 9 h 10 min
